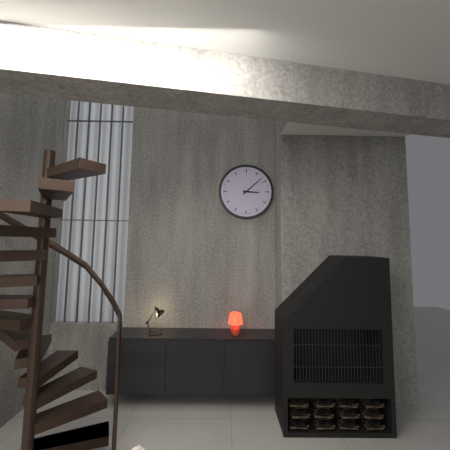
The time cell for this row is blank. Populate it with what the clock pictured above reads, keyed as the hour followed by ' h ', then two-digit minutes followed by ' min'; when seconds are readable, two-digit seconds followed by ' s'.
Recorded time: 3 h 08 min
